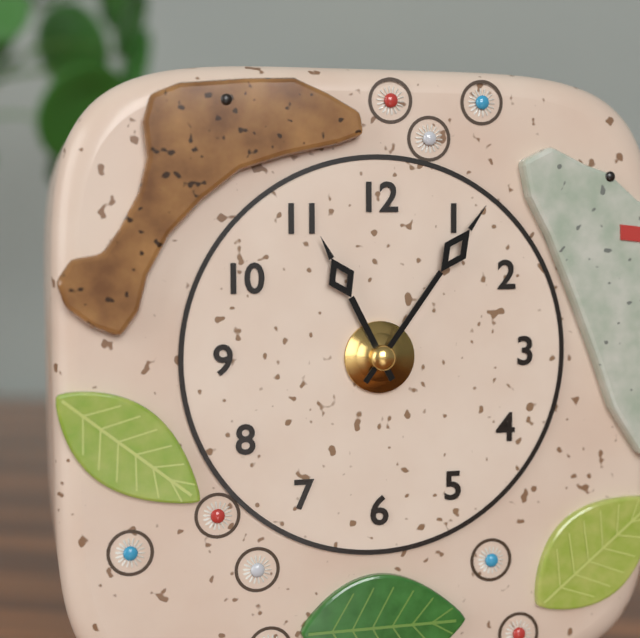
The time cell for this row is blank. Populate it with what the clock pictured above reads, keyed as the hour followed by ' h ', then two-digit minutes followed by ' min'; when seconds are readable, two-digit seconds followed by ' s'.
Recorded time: 11 h 06 min
